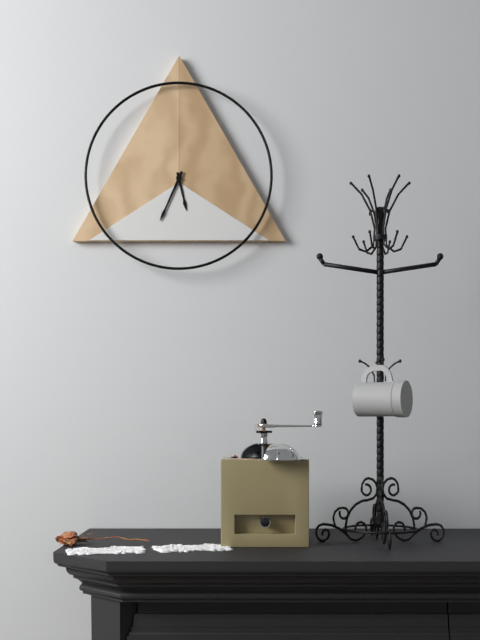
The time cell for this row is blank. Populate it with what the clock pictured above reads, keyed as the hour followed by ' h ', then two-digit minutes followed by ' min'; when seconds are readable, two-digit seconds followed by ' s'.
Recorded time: 5 h 34 min
